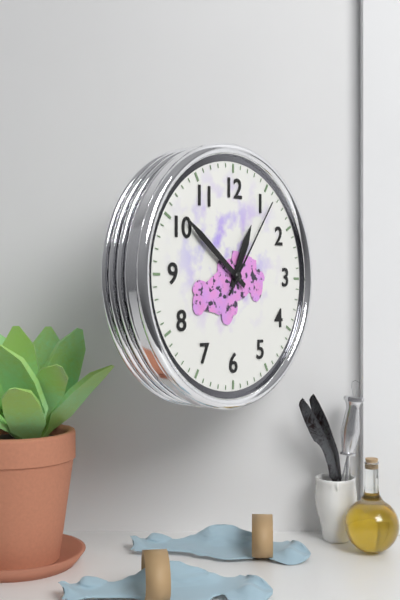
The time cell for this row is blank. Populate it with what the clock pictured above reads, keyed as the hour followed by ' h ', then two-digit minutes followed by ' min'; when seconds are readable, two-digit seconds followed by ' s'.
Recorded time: 12 h 51 min 06 s
